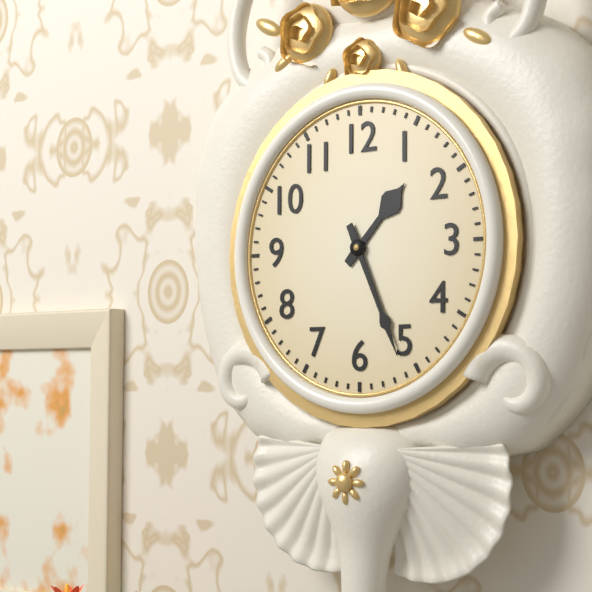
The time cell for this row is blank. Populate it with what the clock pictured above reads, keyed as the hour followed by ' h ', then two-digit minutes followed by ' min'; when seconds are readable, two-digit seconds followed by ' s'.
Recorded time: 1 h 26 min
